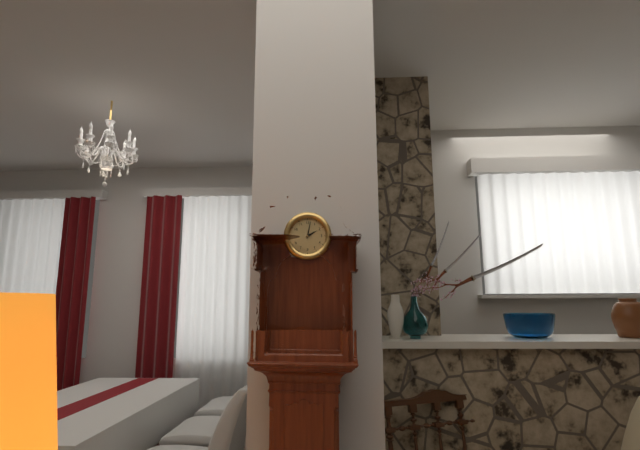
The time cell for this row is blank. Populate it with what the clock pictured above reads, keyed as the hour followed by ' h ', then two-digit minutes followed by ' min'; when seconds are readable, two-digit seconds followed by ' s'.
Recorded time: 2 h 02 min
